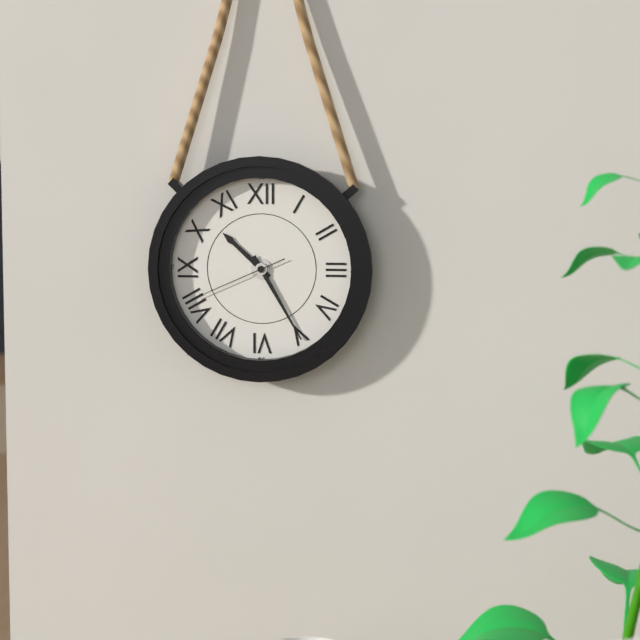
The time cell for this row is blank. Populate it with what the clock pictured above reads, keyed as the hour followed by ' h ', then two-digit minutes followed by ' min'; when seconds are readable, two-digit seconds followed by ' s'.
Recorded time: 10 h 25 min 41 s
